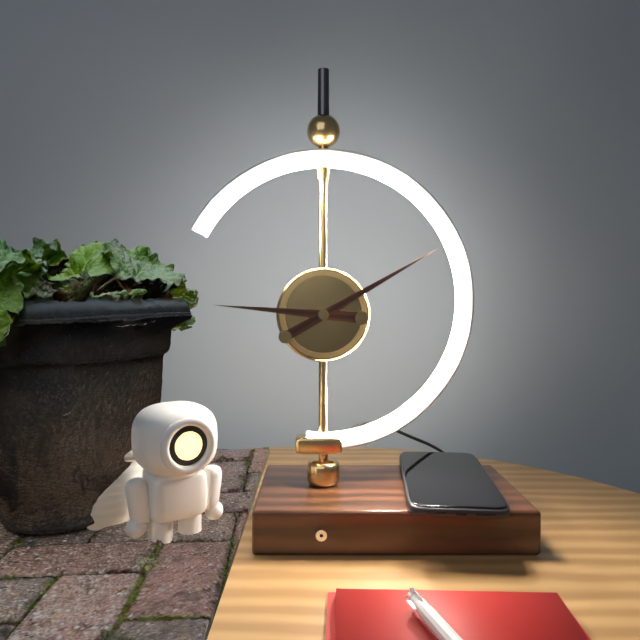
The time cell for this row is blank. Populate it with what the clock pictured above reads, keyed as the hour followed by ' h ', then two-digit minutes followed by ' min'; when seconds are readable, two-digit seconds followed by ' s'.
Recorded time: 9 h 10 min
